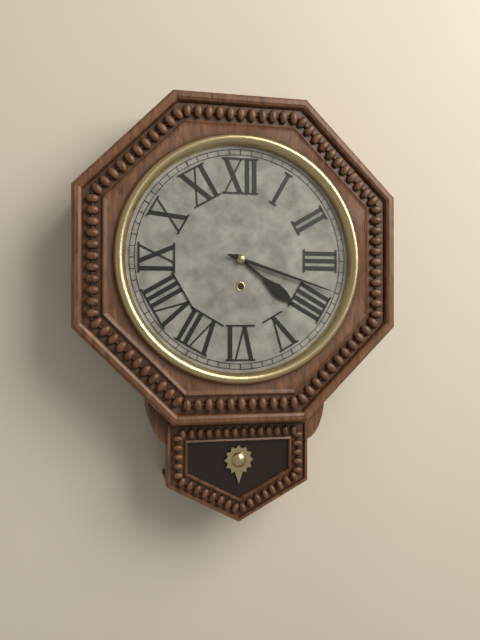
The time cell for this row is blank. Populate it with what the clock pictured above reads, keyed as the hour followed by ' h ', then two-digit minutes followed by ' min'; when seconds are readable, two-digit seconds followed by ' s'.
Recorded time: 4 h 18 min
